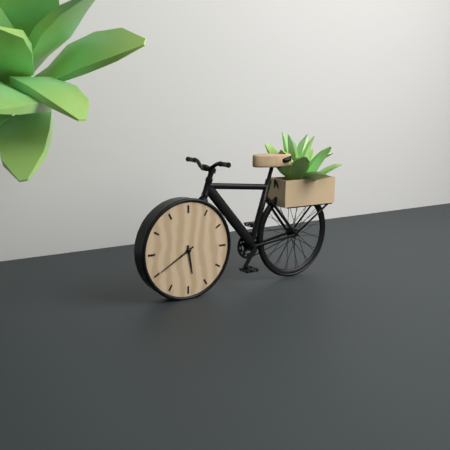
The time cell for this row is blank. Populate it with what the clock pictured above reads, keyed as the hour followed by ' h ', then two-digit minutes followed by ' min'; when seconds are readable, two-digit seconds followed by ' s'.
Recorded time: 5 h 40 min
